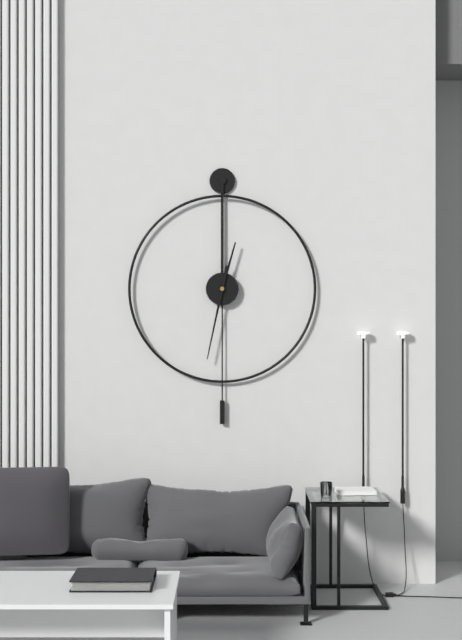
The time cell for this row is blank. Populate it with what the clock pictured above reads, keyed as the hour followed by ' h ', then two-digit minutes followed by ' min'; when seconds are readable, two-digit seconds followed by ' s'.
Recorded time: 12 h 32 min
